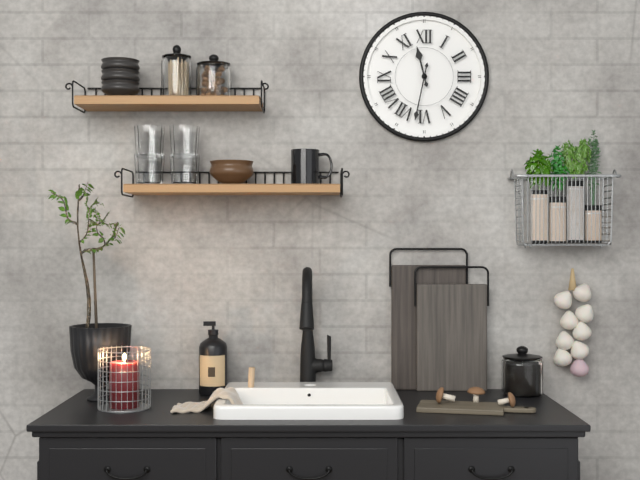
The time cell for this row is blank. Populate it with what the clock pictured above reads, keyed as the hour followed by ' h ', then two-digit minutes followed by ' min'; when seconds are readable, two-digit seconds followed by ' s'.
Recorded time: 11 h 32 min
